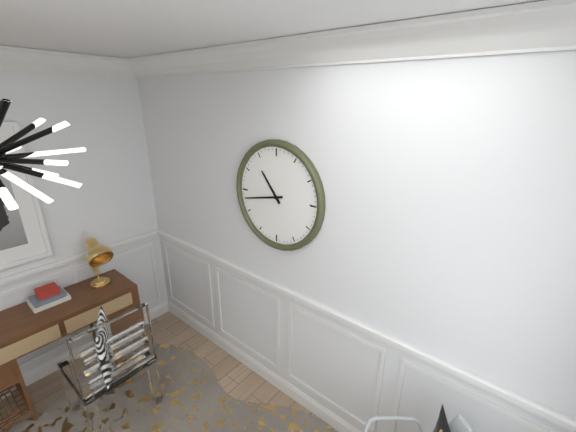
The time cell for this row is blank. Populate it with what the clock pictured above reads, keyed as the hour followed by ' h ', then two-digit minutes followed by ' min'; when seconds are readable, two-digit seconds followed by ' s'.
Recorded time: 10 h 43 min
